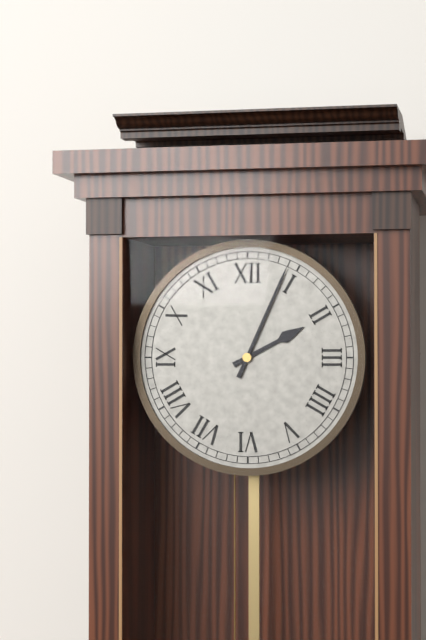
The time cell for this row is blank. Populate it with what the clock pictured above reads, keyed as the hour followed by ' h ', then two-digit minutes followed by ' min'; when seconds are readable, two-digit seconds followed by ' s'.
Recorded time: 2 h 04 min
